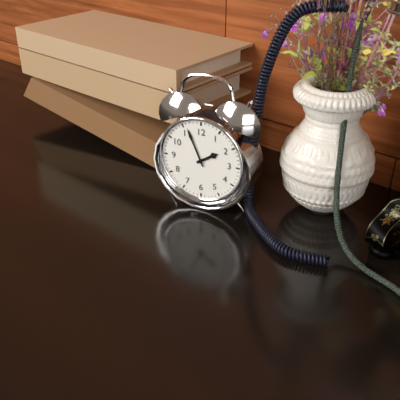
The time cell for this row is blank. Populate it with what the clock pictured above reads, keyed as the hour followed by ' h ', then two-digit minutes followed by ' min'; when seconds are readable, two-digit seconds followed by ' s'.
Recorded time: 1 h 56 min
